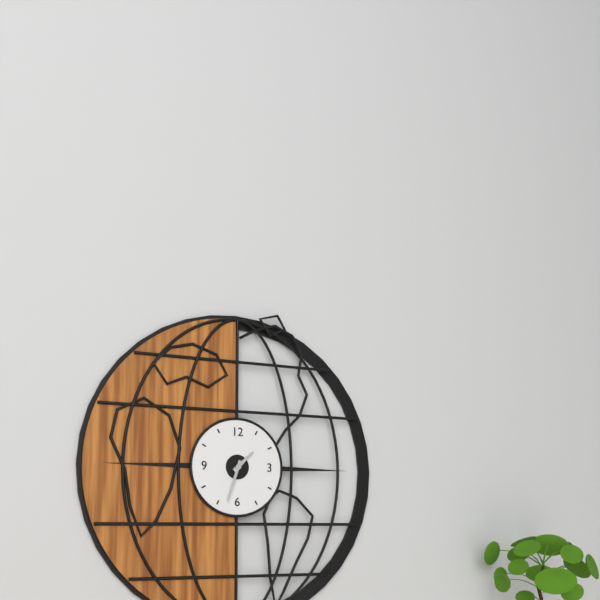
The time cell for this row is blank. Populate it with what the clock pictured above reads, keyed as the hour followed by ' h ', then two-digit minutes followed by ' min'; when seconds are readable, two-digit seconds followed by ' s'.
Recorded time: 1 h 33 min
